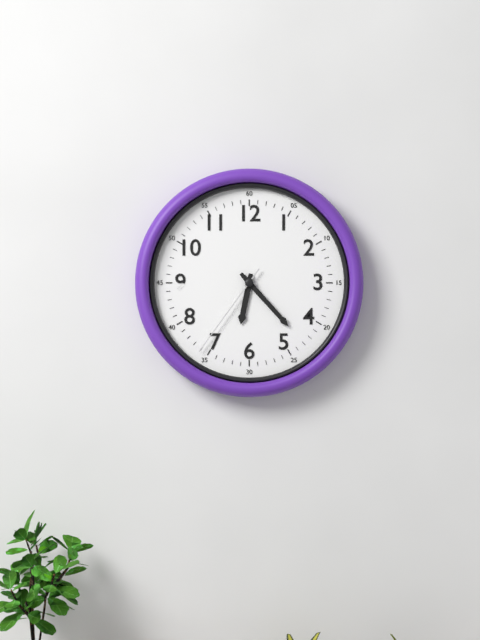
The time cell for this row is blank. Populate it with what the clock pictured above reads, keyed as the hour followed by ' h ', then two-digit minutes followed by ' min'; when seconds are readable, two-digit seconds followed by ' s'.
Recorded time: 6 h 23 min 36 s
